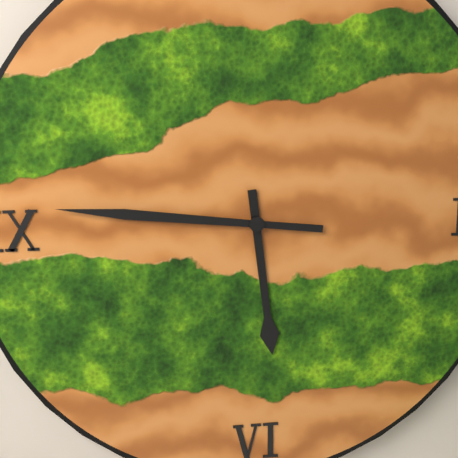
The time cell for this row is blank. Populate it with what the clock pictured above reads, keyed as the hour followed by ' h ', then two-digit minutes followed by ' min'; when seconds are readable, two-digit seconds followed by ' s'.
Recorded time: 5 h 46 min
